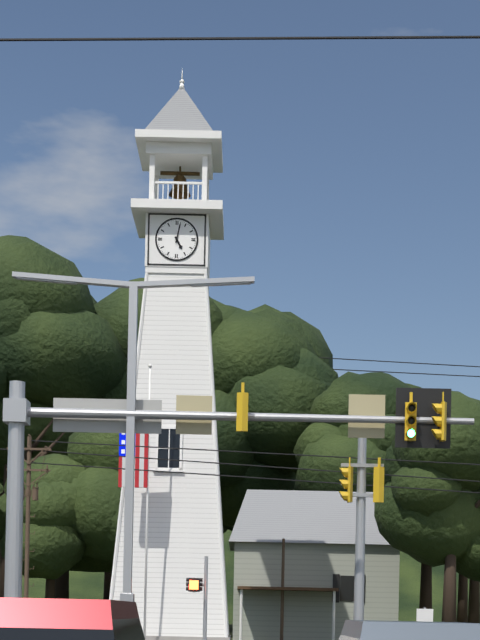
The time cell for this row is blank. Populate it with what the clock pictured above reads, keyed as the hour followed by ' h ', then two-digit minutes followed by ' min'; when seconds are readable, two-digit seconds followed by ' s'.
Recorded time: 5 h 02 min
